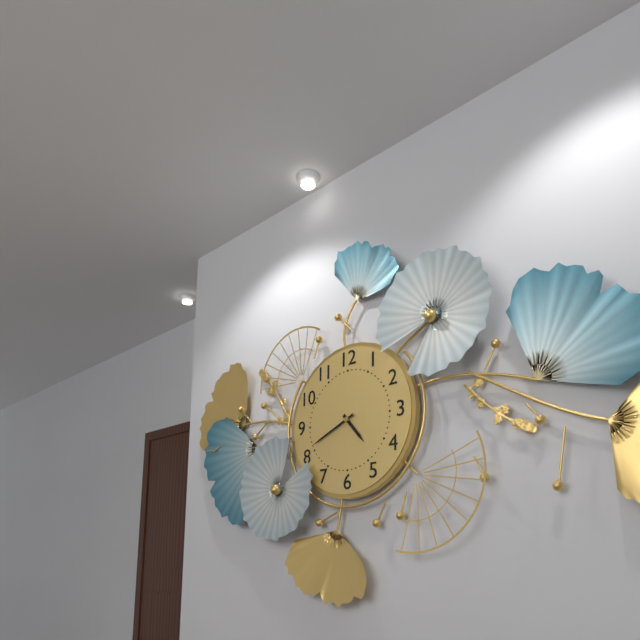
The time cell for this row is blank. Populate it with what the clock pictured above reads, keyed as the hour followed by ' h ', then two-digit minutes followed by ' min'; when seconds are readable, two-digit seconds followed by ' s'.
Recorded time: 4 h 41 min
